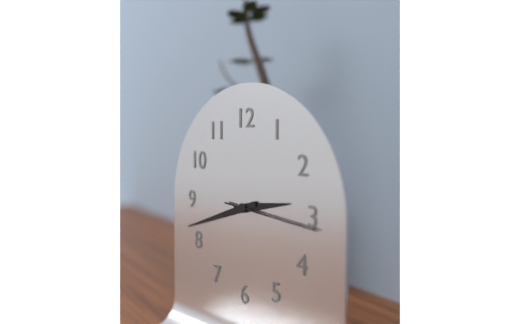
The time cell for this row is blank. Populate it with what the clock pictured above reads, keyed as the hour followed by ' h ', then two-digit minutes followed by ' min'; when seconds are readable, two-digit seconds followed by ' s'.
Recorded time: 2 h 42 min 16 s
